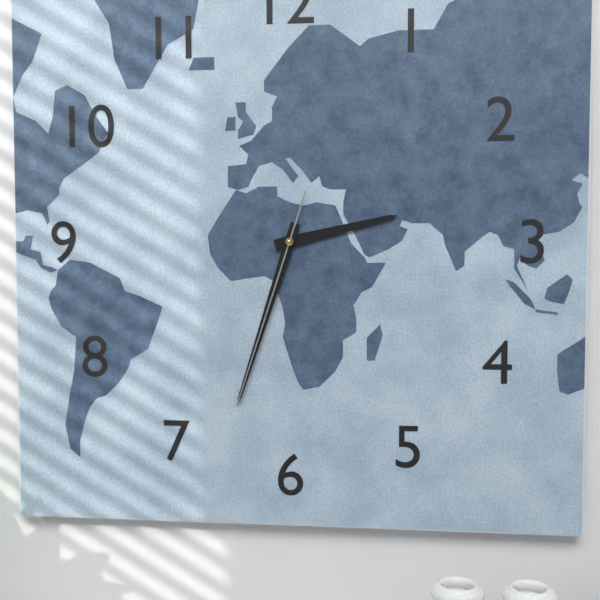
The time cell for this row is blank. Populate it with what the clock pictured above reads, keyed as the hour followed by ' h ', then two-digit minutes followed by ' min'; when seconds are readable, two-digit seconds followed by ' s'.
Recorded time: 2 h 33 min 33 s
